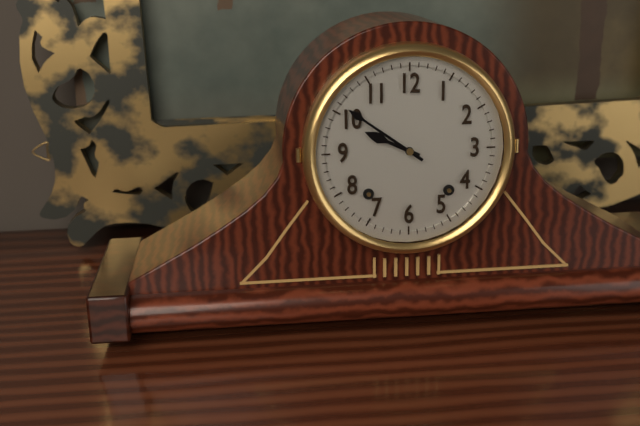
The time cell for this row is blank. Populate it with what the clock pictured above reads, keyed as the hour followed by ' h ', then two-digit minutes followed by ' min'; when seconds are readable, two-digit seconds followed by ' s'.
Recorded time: 9 h 51 min
